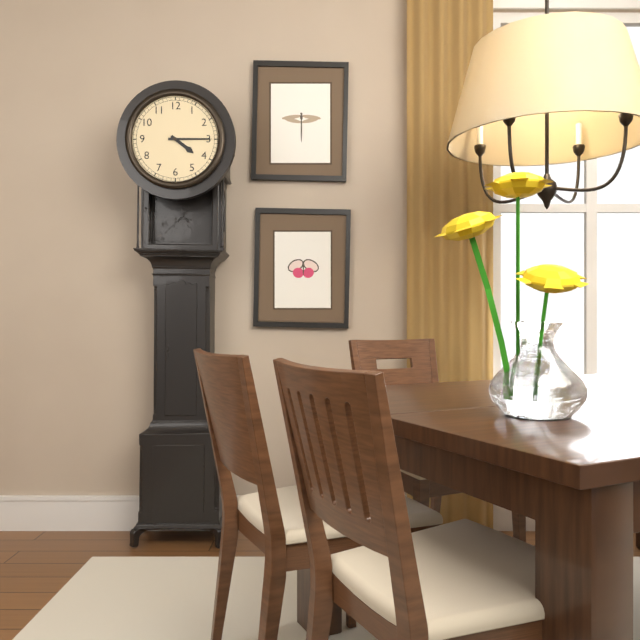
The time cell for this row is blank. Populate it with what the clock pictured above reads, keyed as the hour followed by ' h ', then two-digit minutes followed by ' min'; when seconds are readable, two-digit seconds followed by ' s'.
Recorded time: 4 h 15 min
